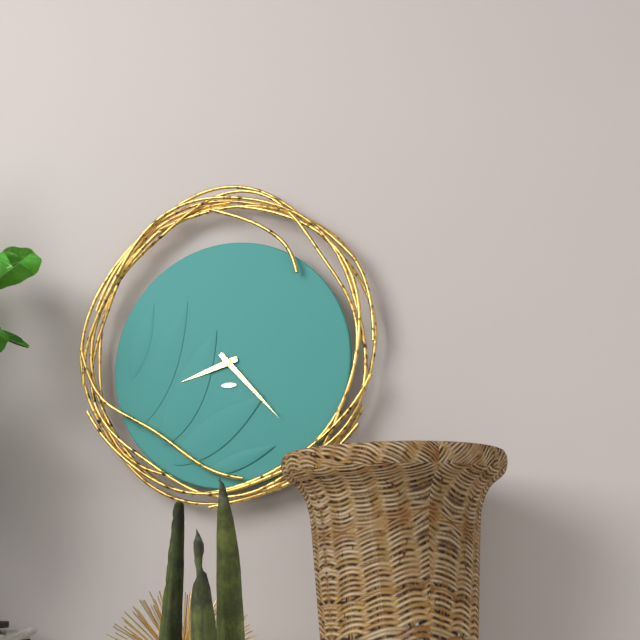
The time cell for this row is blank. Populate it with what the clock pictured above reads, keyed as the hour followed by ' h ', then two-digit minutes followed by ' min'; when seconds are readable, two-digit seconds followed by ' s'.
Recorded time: 8 h 23 min
